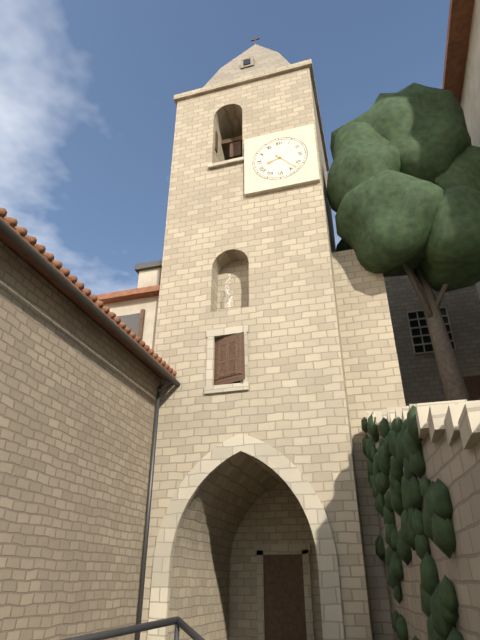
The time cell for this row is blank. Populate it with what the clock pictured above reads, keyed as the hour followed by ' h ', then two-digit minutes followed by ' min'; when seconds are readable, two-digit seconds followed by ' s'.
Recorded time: 8 h 23 min
